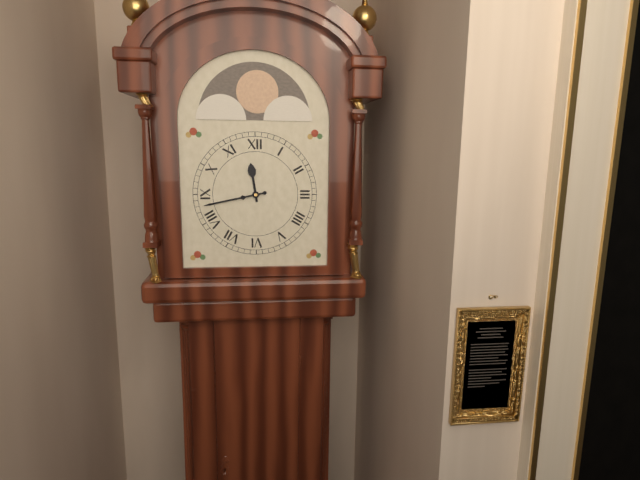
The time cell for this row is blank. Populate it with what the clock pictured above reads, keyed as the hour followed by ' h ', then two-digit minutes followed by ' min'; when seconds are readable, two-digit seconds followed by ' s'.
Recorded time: 11 h 43 min
